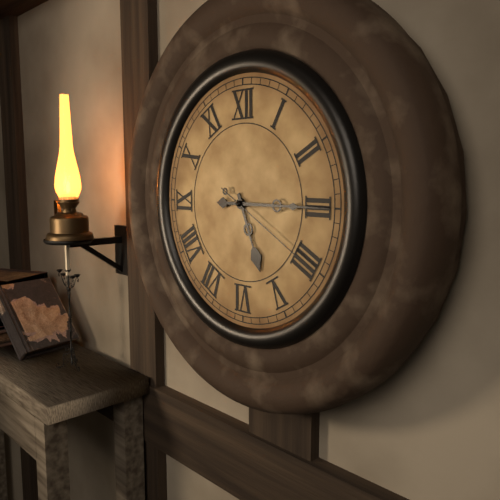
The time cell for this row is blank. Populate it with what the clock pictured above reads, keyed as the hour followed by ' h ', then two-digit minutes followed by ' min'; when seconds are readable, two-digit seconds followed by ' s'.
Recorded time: 5 h 15 min 20 s
